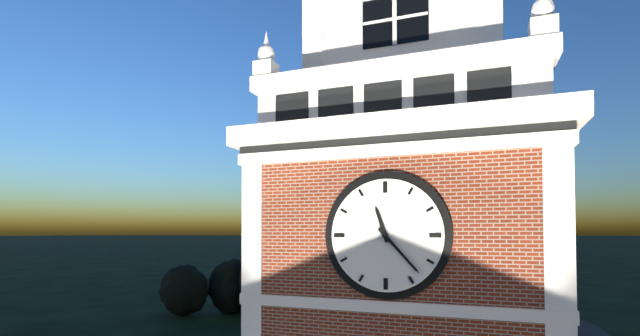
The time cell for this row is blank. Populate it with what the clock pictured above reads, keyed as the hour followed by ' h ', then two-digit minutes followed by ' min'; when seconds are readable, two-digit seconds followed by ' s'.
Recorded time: 11 h 23 min
